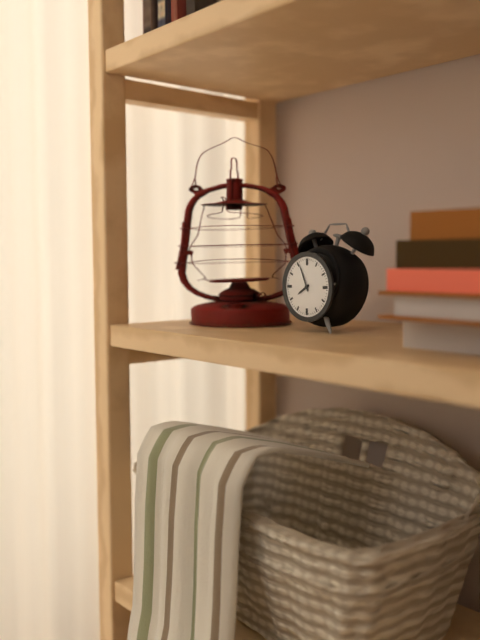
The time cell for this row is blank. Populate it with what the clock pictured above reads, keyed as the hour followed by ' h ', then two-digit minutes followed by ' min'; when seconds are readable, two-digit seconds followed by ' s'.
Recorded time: 7 h 56 min
